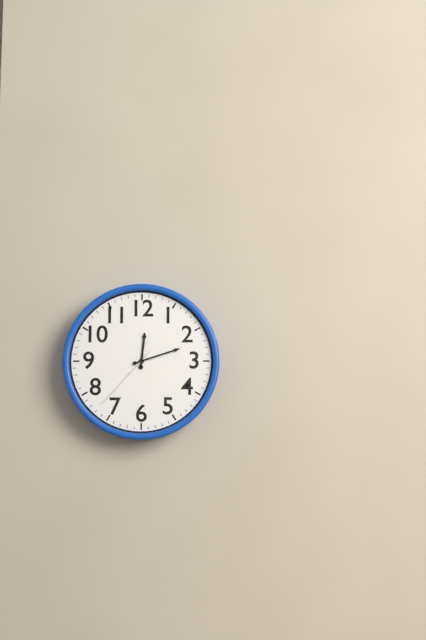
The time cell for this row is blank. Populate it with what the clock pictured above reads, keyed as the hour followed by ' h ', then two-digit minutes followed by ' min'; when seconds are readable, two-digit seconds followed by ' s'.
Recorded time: 12 h 12 min 37 s
